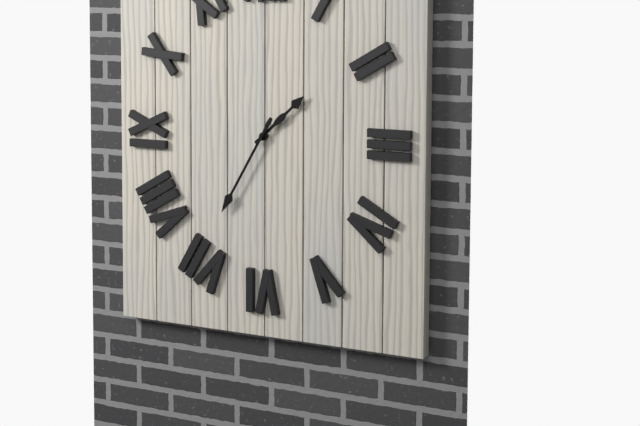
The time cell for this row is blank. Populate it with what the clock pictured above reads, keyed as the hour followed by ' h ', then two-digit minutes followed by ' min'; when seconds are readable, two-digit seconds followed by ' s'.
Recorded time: 1 h 35 min
